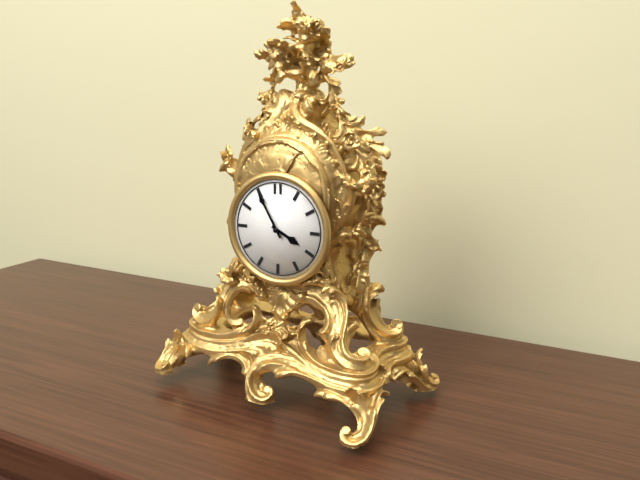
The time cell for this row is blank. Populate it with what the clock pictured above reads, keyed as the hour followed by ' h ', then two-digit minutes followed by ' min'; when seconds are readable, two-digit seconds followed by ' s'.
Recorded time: 3 h 55 min
